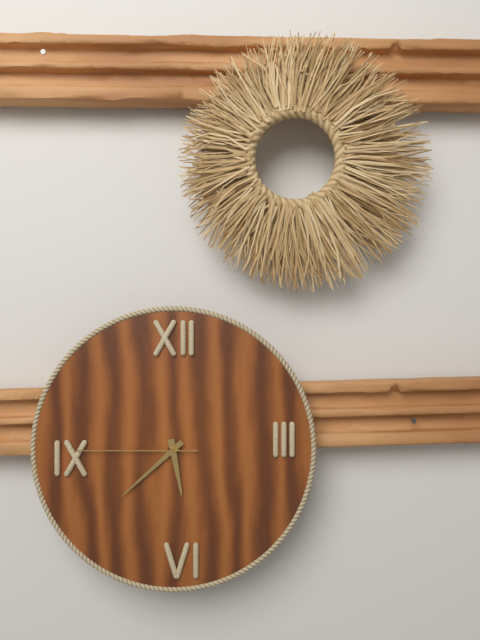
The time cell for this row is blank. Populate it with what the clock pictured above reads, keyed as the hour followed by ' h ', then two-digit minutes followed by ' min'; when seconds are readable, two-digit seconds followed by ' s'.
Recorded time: 5 h 38 min 45 s
